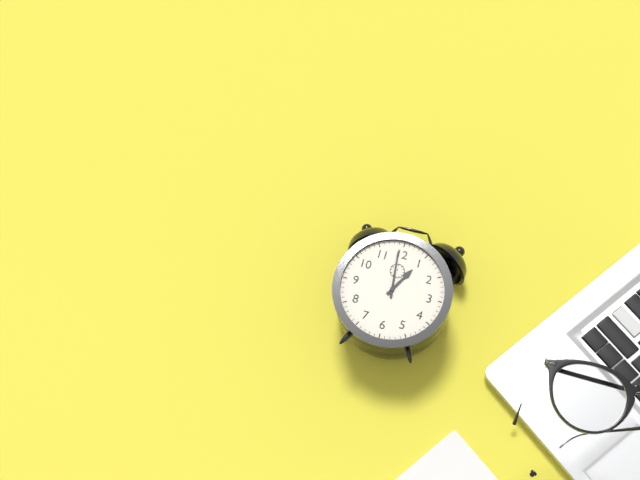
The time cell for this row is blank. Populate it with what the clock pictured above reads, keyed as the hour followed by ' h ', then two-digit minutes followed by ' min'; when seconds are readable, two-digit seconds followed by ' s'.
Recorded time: 12 h 59 min
